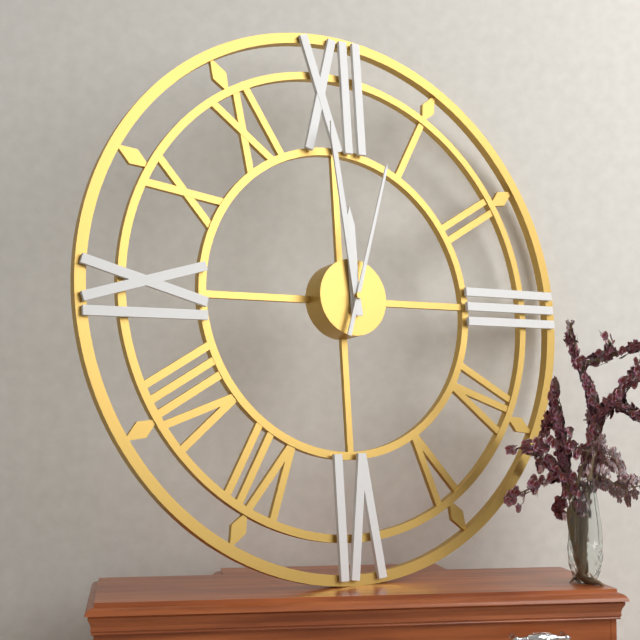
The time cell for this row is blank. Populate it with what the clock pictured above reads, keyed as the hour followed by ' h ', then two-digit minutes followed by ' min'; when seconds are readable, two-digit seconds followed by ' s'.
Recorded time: 11 h 59 min 03 s
